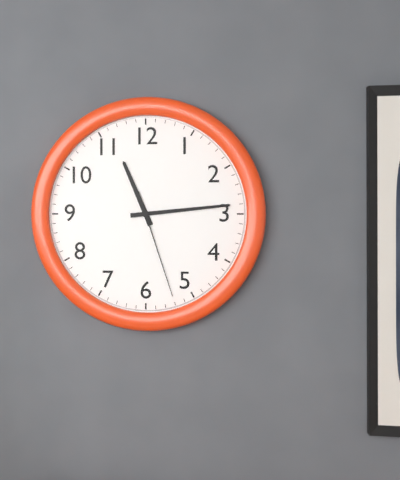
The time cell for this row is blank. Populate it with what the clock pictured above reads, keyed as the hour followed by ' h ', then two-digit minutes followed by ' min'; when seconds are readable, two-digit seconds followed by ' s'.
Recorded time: 11 h 14 min 27 s
